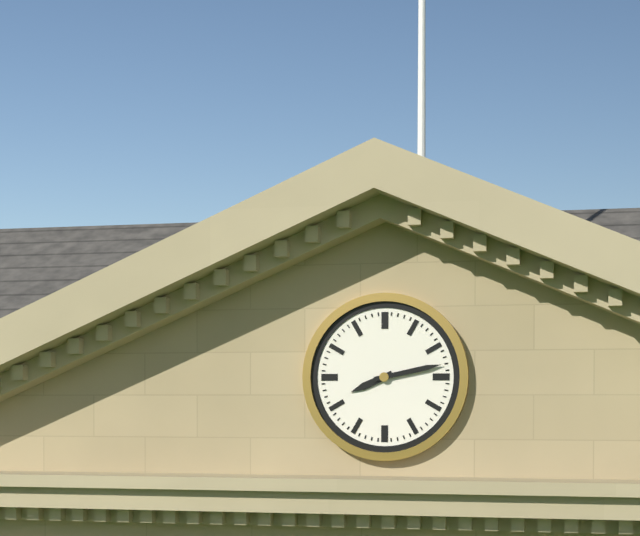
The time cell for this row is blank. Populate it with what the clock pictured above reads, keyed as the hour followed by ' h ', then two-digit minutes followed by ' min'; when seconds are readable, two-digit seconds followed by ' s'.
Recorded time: 8 h 13 min
